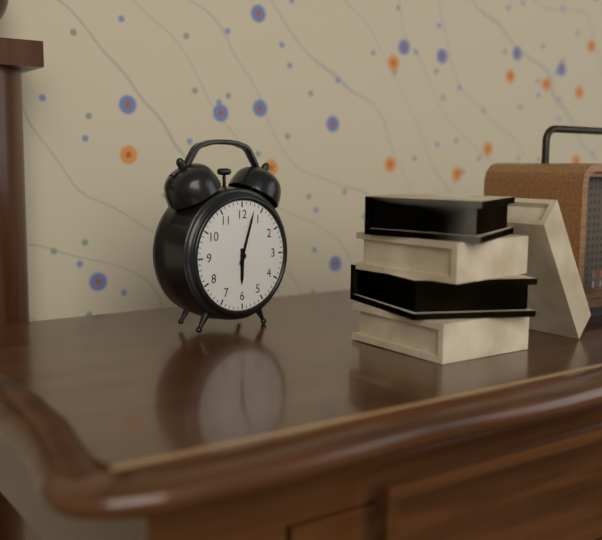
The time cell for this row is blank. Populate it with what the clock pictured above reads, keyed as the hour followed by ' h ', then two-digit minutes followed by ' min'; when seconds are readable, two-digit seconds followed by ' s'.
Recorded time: 6 h 03 min
